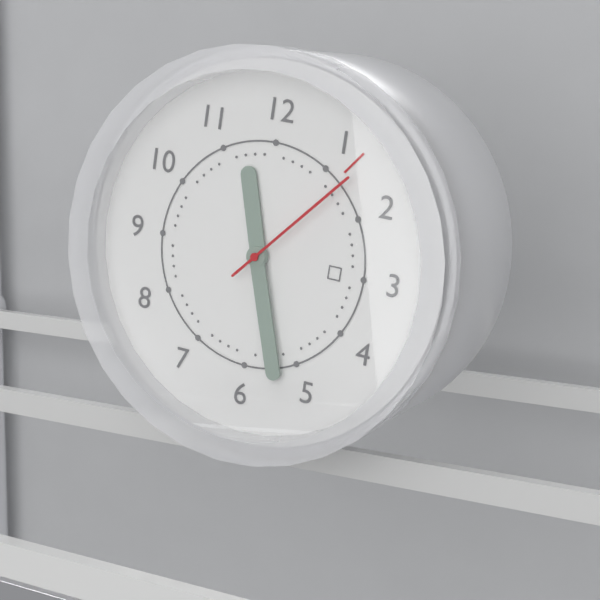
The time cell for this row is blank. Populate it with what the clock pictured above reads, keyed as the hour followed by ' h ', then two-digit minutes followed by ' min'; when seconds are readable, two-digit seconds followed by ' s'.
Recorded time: 11 h 27 min 07 s
